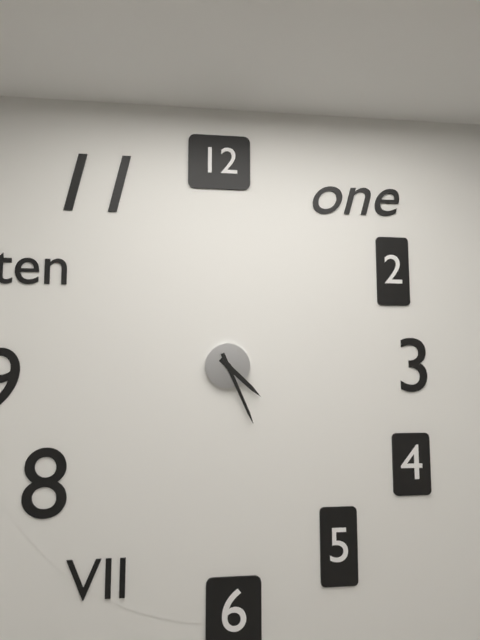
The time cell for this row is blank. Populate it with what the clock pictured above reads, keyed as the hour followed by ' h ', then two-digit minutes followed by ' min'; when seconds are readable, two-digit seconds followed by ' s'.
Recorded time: 4 h 26 min
